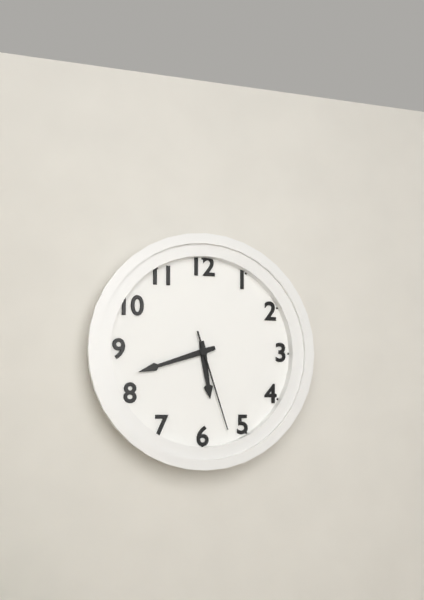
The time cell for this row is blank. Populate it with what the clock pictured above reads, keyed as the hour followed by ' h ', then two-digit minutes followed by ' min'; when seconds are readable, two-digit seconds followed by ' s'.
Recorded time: 5 h 42 min 27 s
